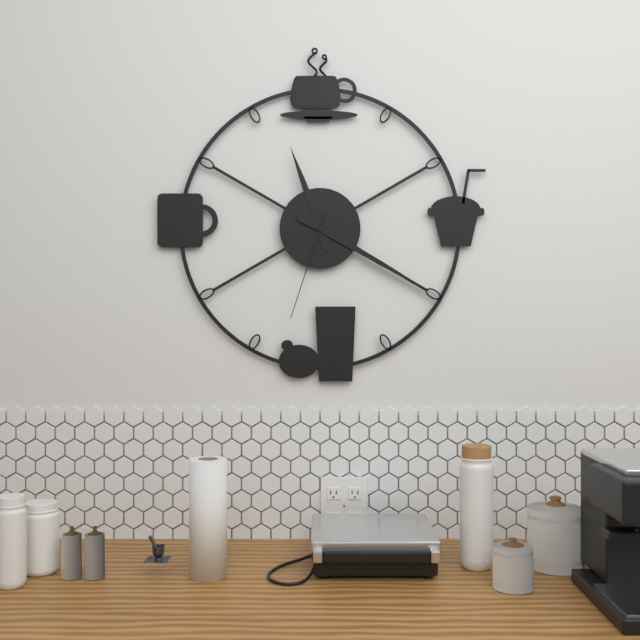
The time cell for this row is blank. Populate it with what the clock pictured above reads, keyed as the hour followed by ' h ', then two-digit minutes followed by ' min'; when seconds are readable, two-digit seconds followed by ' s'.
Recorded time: 11 h 20 min 33 s
